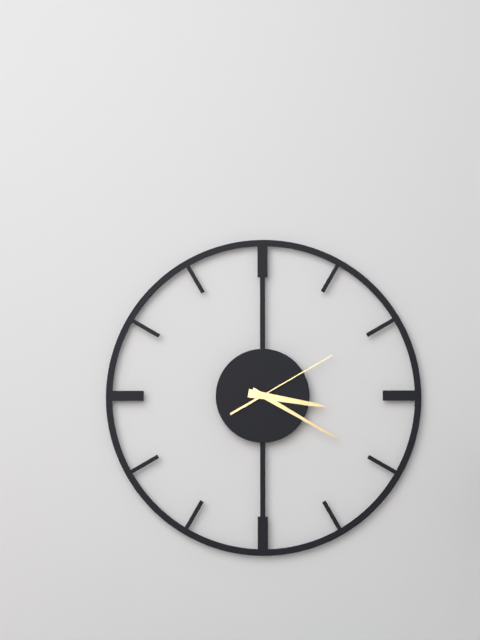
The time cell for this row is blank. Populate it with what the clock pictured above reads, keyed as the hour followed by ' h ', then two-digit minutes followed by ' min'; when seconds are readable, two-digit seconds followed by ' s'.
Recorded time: 3 h 20 min 10 s
